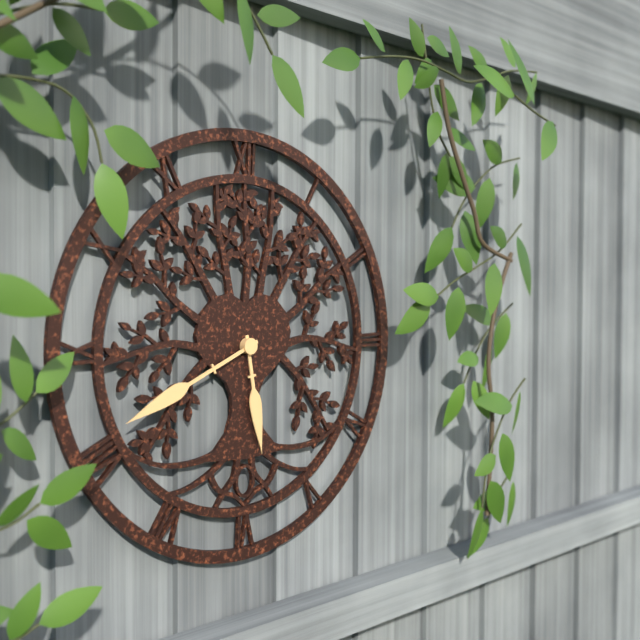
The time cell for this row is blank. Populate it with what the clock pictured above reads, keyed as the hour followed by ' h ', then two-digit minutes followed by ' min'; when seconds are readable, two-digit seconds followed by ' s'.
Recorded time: 5 h 41 min
